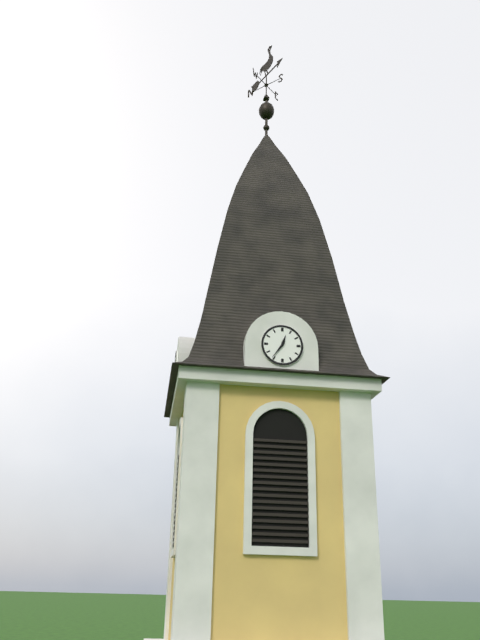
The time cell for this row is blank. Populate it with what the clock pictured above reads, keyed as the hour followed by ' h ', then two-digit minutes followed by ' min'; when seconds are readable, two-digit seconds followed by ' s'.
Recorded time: 12 h 36 min
